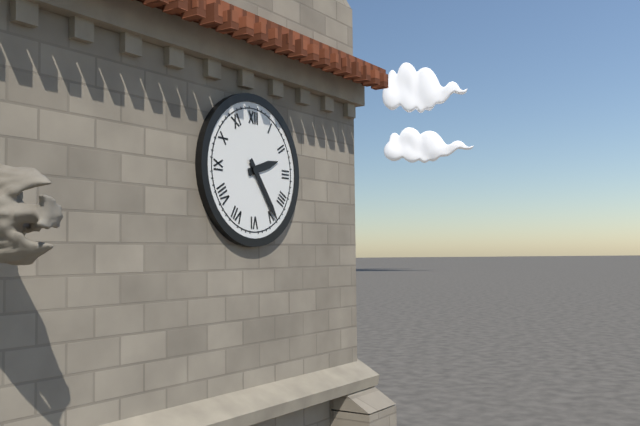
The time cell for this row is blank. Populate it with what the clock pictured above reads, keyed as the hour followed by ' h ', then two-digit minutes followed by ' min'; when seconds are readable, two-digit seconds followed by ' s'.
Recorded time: 2 h 24 min
